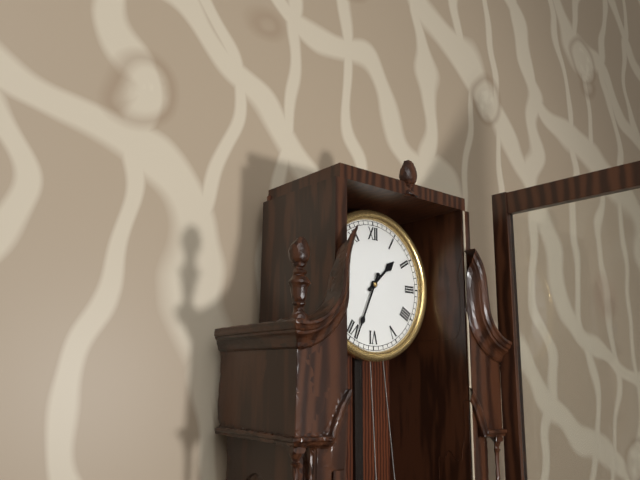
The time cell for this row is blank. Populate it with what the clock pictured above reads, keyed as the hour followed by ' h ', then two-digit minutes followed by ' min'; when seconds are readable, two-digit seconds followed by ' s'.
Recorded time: 1 h 34 min
